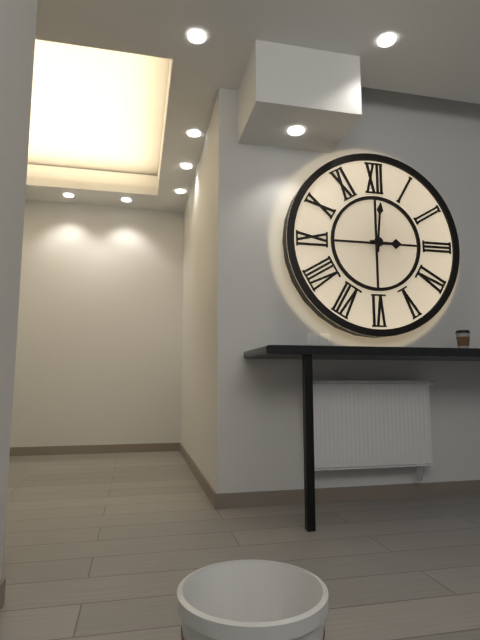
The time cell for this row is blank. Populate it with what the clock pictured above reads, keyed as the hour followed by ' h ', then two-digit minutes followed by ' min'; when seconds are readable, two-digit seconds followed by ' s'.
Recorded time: 3 h 01 min
